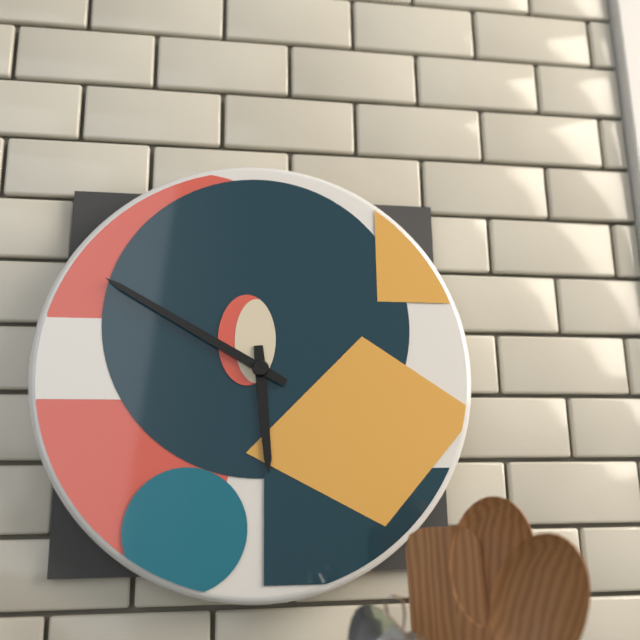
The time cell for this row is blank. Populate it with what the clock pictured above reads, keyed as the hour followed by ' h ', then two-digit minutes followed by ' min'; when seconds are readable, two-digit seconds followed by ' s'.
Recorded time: 5 h 50 min
